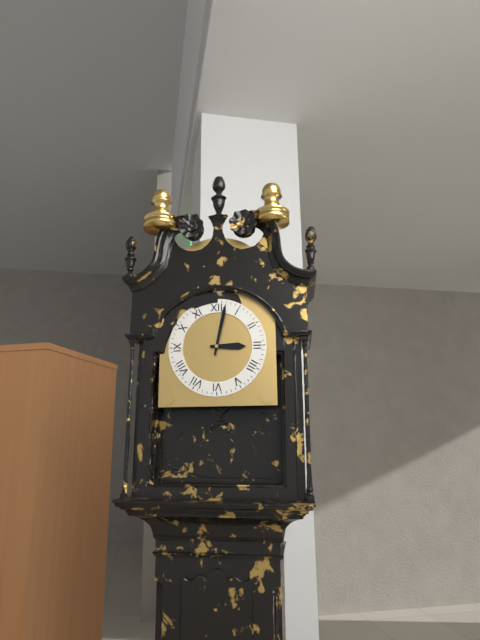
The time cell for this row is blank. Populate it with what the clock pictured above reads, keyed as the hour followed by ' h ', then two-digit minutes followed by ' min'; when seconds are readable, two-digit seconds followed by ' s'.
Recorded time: 3 h 02 min
